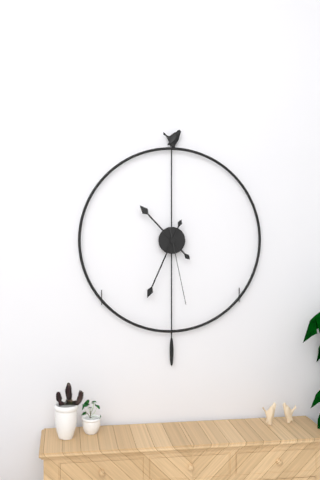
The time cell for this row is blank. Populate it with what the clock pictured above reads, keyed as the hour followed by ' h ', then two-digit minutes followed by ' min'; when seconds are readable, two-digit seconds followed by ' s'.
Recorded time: 10 h 34 min 28 s
